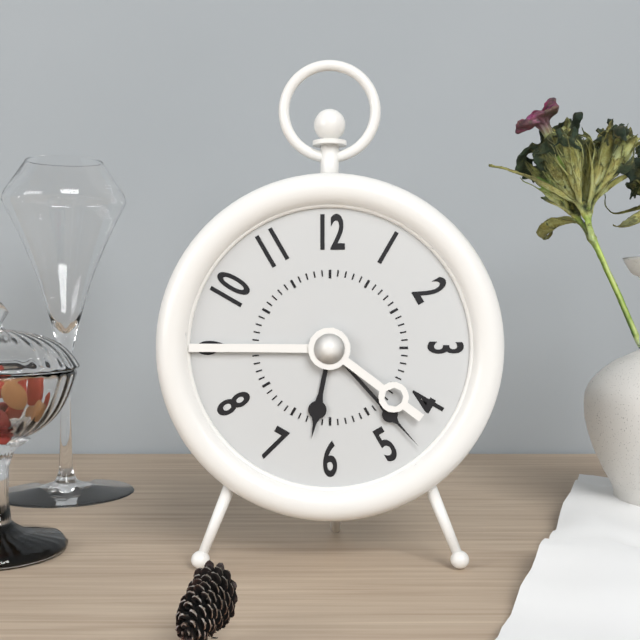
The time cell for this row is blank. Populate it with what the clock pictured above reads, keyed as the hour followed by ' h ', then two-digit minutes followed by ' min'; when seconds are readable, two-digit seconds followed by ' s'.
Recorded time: 6 h 23 min
